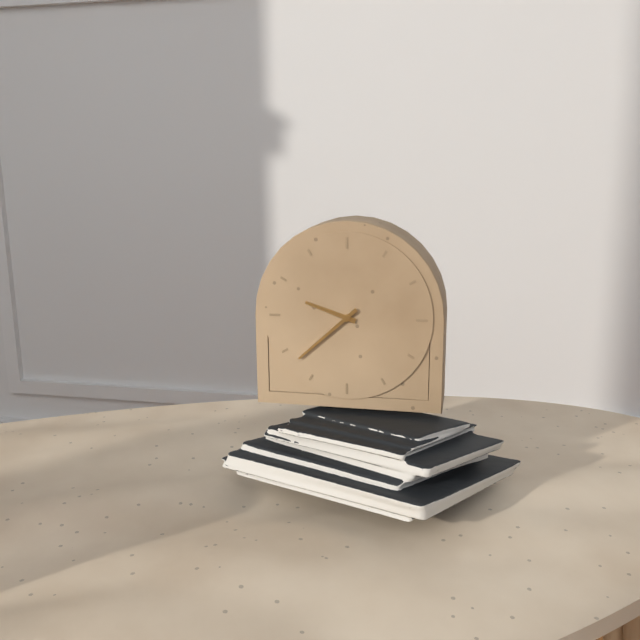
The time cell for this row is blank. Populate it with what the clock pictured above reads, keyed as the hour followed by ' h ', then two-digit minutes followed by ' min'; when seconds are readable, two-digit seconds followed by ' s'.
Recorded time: 9 h 38 min
